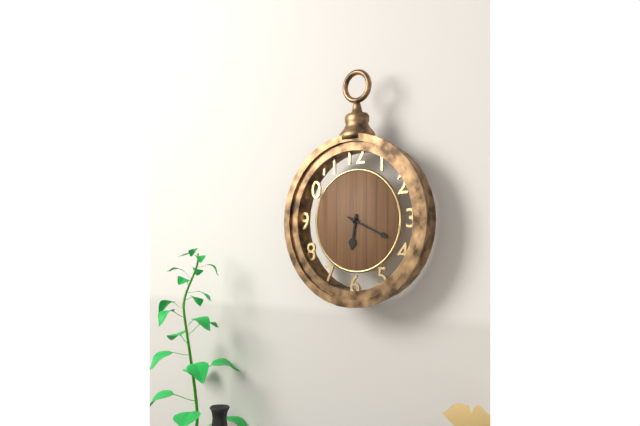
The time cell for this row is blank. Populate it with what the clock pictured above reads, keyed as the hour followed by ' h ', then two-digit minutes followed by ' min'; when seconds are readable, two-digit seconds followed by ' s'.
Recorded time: 6 h 19 min
